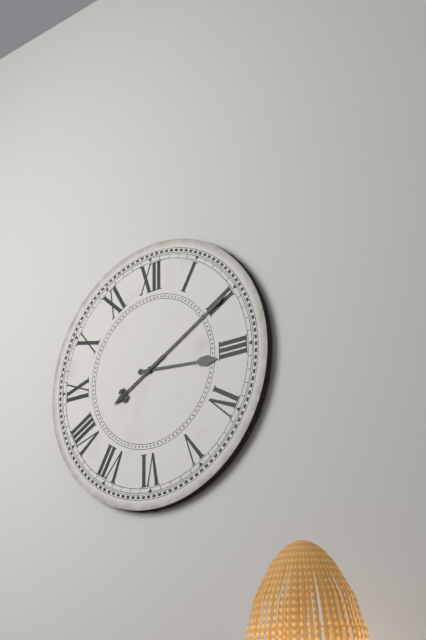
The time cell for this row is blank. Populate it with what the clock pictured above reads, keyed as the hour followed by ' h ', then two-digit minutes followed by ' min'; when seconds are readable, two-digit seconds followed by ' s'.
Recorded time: 3 h 10 min
